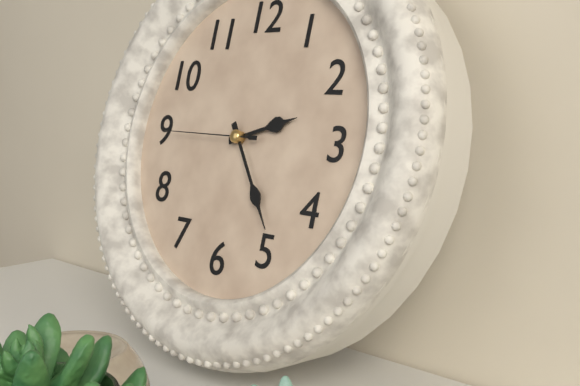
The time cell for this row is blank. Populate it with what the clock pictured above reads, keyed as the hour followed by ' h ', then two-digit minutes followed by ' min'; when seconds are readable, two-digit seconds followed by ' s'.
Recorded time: 2 h 24 min 45 s
